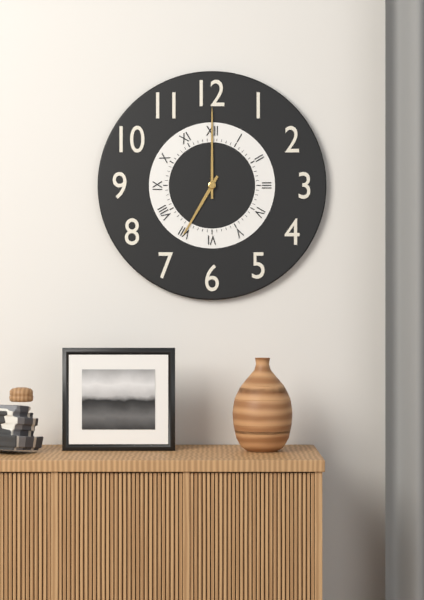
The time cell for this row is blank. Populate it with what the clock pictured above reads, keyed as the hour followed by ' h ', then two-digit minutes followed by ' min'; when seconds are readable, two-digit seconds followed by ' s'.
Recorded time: 7 h 00 min
